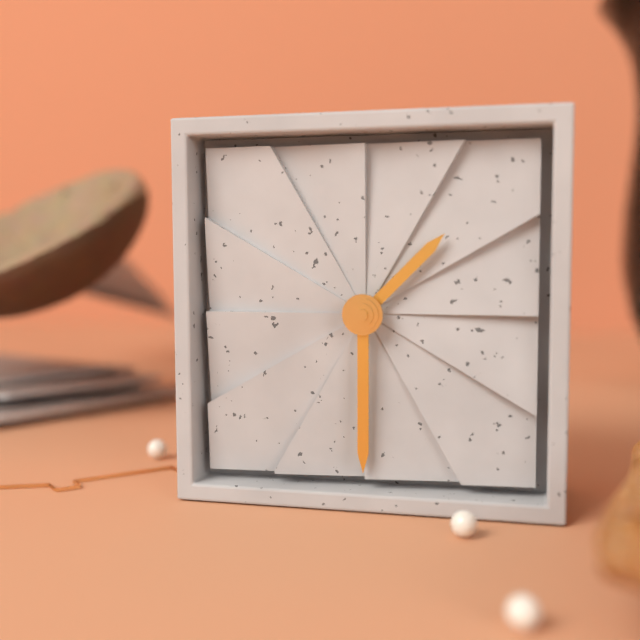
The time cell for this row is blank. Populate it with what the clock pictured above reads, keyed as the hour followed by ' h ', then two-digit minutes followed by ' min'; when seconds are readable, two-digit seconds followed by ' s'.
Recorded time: 1 h 30 min
